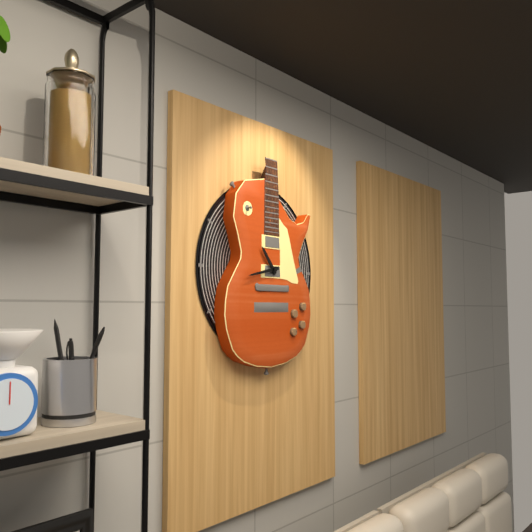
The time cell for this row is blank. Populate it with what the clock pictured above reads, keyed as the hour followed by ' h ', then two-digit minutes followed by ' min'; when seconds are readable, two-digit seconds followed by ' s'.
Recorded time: 10 h 43 min
